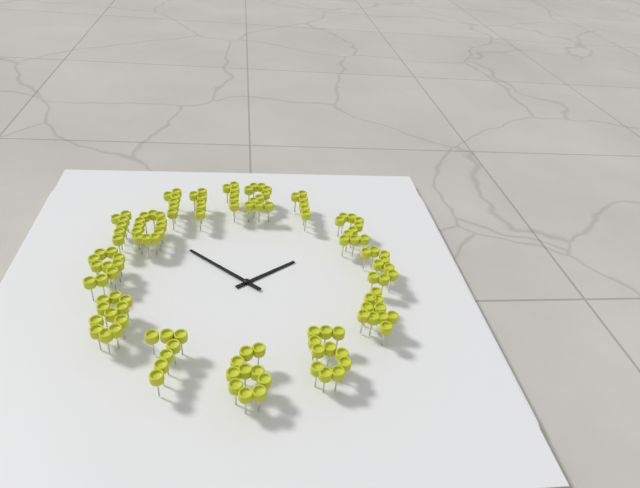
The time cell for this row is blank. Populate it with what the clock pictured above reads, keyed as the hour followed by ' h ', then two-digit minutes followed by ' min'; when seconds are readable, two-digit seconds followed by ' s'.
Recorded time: 1 h 52 min
